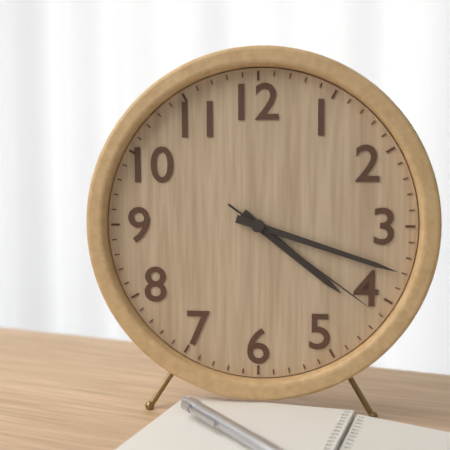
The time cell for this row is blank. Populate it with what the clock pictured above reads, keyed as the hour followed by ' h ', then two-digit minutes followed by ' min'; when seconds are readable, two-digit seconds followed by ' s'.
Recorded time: 4 h 18 min 21 s
